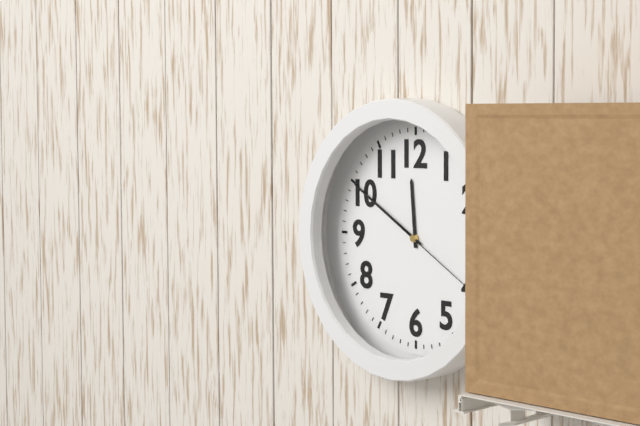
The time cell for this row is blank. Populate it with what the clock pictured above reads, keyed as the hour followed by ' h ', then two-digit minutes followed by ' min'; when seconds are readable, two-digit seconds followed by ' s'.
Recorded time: 11 h 50 min 20 s
